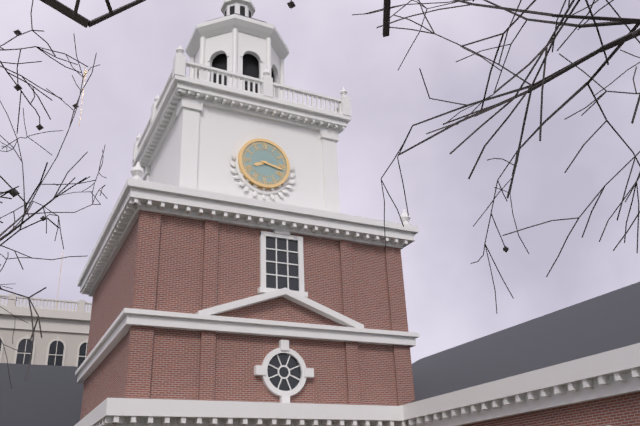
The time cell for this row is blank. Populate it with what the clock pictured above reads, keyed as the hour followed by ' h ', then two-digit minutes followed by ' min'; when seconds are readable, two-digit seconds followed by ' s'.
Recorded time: 8 h 17 min
